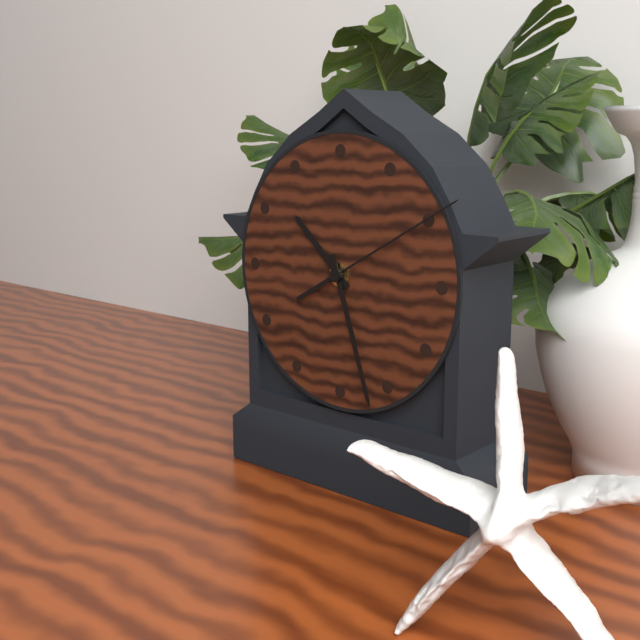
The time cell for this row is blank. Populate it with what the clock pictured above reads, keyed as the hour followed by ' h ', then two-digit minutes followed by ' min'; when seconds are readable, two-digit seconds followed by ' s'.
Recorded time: 10 h 27 min 10 s
